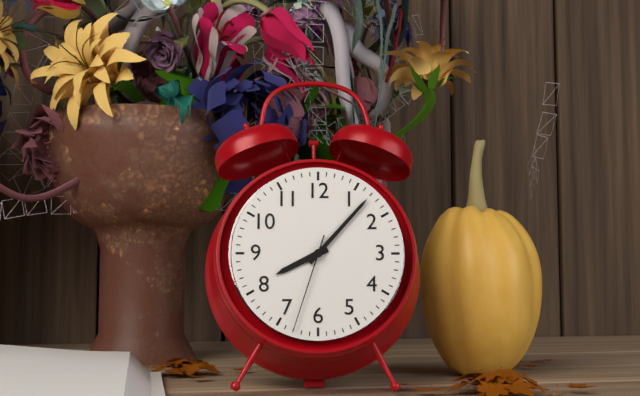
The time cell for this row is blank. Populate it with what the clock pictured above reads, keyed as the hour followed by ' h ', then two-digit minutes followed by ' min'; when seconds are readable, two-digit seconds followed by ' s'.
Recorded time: 8 h 07 min 33 s
